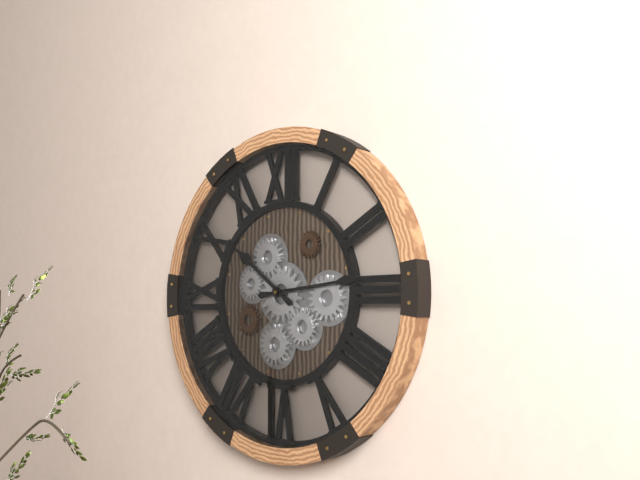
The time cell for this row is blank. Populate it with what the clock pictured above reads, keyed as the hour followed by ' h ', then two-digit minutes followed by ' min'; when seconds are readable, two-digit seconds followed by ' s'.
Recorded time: 10 h 14 min
